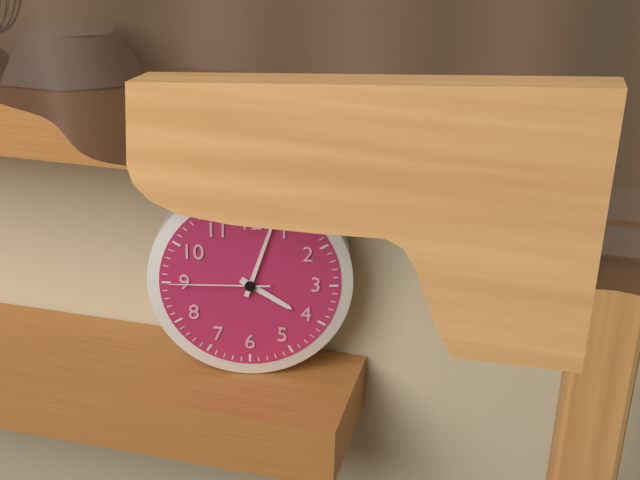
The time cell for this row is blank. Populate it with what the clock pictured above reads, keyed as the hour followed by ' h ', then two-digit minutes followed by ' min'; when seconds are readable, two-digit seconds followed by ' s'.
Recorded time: 4 h 03 min 45 s
